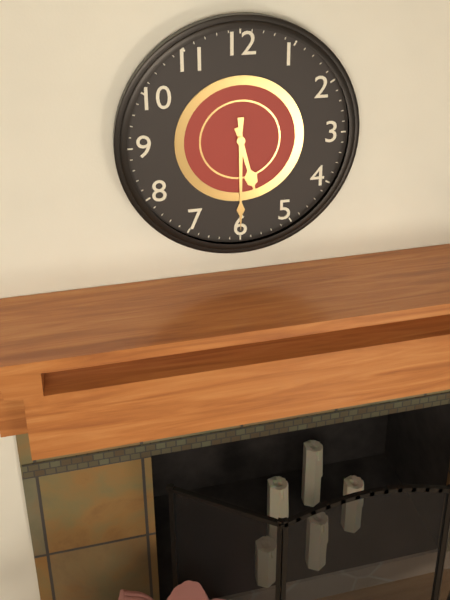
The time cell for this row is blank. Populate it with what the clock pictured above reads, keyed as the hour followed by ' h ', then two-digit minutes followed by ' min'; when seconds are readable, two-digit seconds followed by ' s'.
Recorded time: 5 h 30 min
